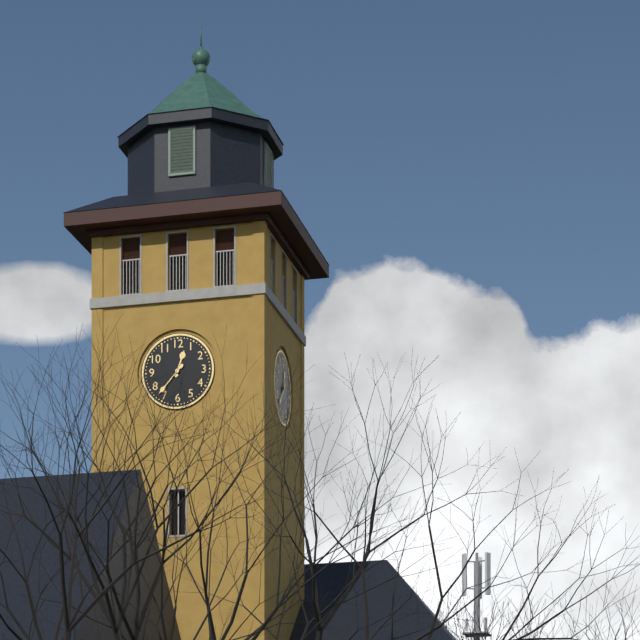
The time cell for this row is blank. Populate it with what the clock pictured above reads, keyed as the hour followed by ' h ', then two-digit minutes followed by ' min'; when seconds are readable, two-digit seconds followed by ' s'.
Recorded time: 12 h 37 min
